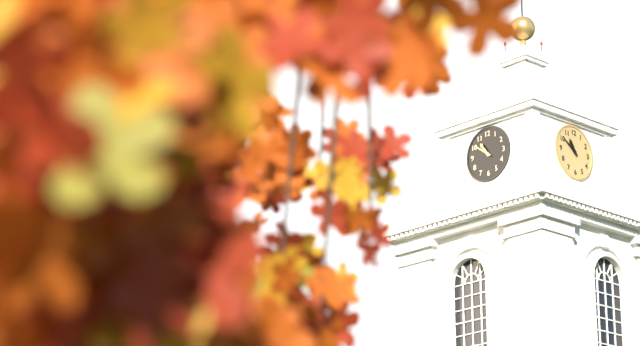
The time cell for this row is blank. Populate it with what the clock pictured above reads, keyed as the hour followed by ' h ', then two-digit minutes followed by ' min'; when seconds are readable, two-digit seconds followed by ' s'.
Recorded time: 10 h 51 min
